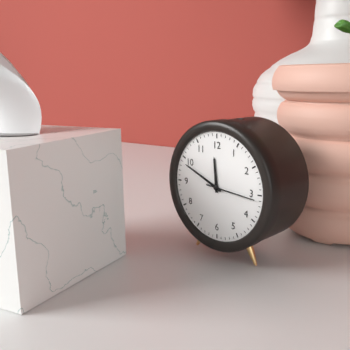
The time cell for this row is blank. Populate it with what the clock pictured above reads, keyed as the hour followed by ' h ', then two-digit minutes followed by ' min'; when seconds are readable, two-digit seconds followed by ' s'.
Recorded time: 11 h 49 min 16 s
